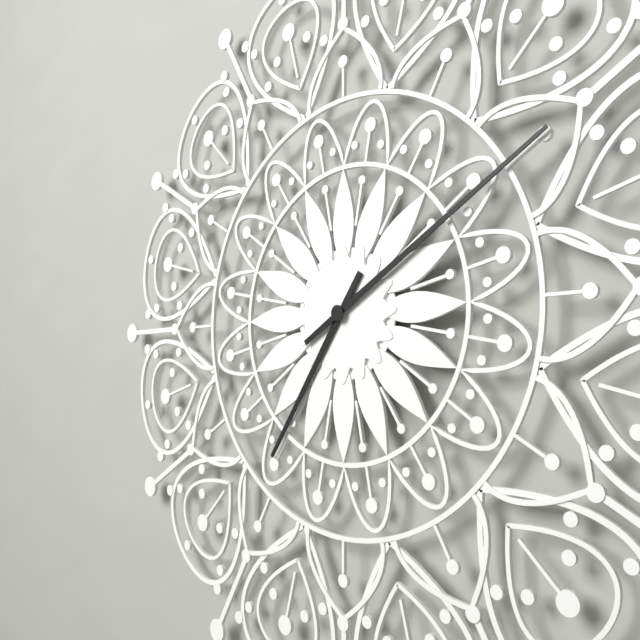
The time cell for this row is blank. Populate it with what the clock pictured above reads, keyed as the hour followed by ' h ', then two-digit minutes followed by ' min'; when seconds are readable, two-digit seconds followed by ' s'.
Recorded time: 7 h 10 min
